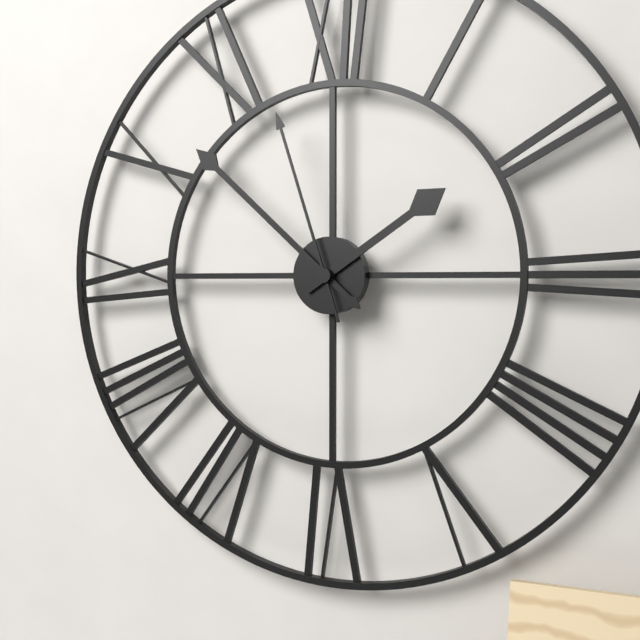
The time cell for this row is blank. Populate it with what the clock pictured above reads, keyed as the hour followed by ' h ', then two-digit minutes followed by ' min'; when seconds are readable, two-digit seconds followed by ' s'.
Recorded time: 1 h 52 min 57 s
